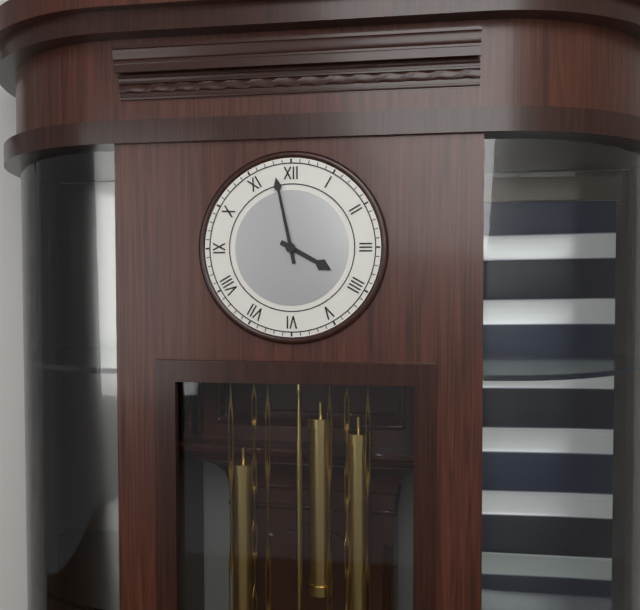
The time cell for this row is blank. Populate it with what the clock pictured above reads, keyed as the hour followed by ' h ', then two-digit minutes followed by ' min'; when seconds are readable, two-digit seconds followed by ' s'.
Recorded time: 3 h 58 min
